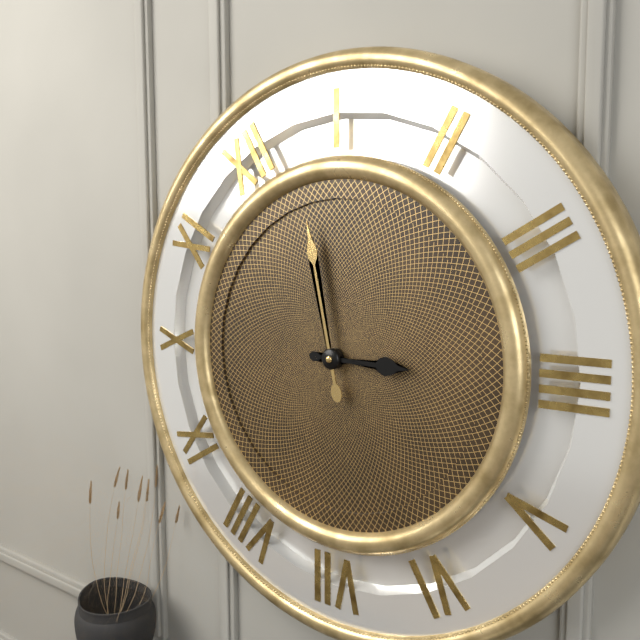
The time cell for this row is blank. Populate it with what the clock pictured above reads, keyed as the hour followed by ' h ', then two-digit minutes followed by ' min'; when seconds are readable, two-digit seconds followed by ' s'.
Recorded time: 4 h 03 min
